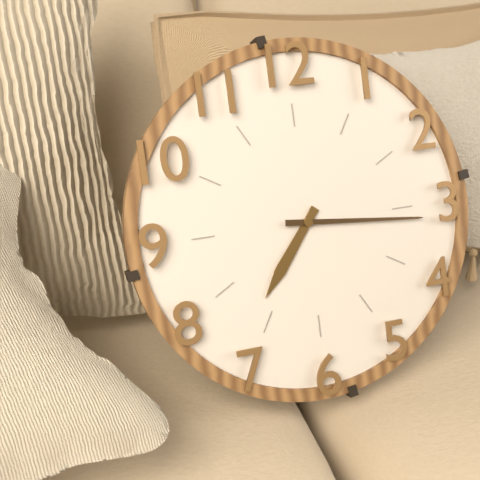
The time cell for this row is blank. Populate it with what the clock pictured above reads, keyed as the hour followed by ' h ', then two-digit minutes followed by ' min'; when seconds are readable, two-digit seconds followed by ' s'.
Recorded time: 7 h 16 min
